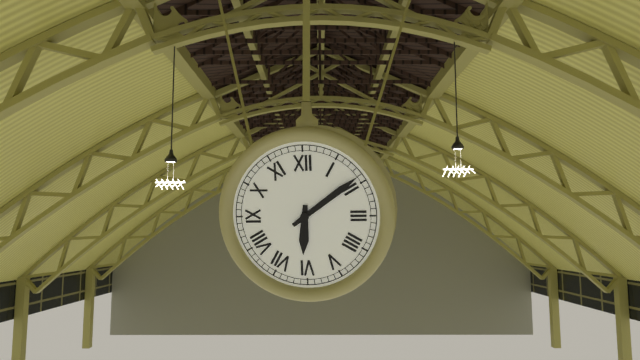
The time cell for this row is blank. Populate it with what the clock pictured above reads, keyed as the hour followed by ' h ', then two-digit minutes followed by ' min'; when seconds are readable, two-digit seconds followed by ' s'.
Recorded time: 6 h 09 min
